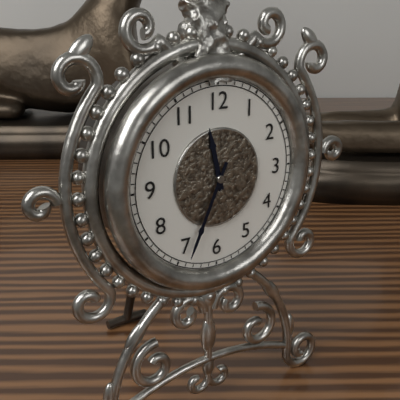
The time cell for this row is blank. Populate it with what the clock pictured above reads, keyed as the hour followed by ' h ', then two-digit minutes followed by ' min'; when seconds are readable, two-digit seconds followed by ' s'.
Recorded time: 11 h 34 min
